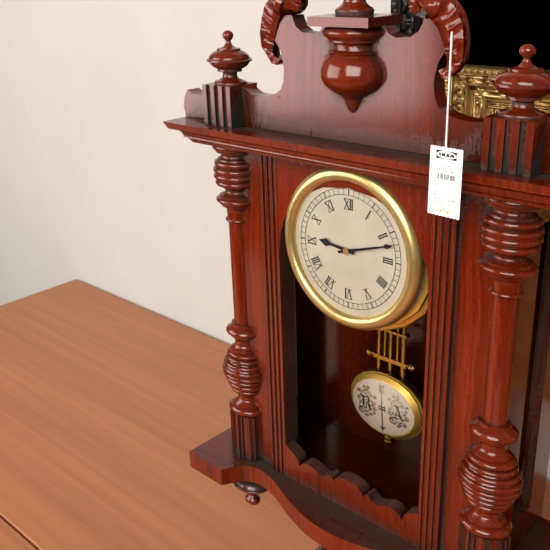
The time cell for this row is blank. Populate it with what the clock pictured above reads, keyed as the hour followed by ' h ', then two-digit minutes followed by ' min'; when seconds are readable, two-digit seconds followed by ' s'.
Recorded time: 9 h 12 min
